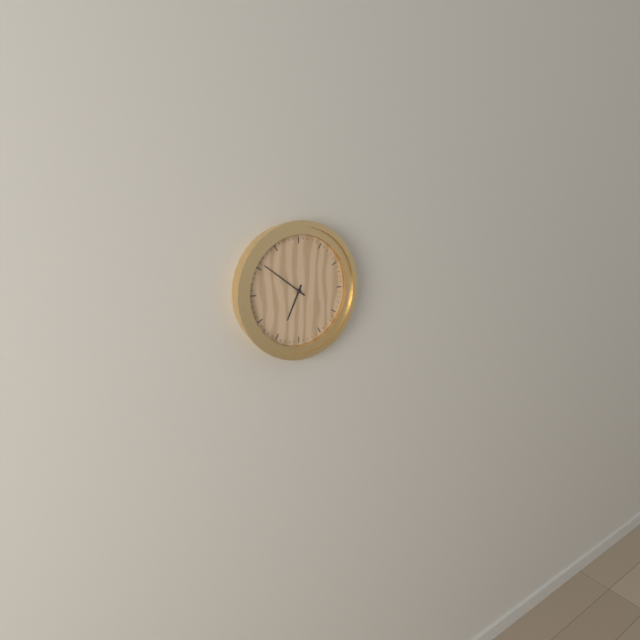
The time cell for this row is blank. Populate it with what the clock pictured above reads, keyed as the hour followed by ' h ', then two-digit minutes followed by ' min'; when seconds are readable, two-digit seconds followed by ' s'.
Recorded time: 6 h 51 min
